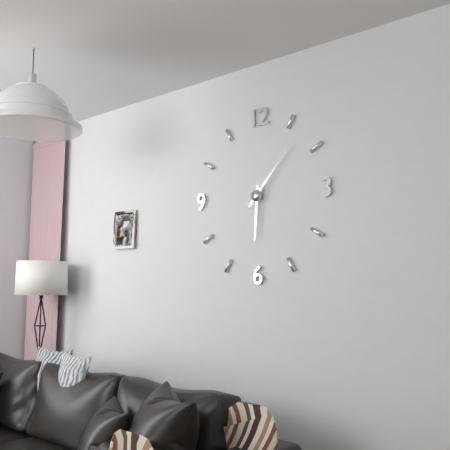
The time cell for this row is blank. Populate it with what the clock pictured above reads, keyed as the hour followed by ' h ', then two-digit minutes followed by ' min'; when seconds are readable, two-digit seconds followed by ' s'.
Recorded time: 6 h 07 min
